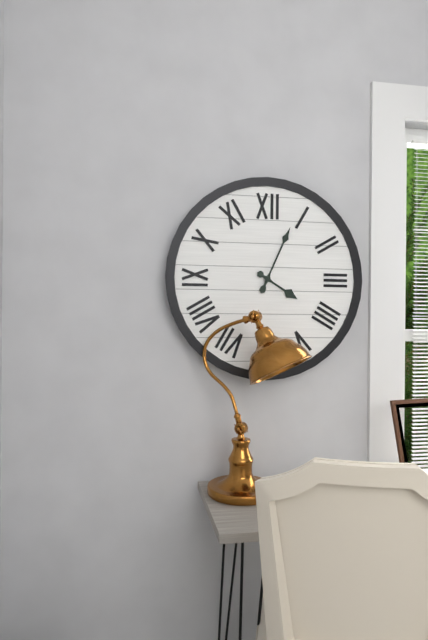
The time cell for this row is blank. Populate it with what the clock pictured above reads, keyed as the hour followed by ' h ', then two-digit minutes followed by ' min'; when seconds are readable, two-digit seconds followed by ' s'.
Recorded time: 4 h 04 min
